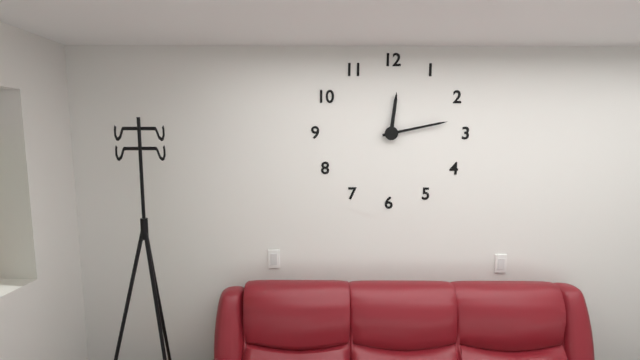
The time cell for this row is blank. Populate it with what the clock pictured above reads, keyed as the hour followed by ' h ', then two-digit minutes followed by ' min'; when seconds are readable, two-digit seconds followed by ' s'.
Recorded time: 12 h 13 min
